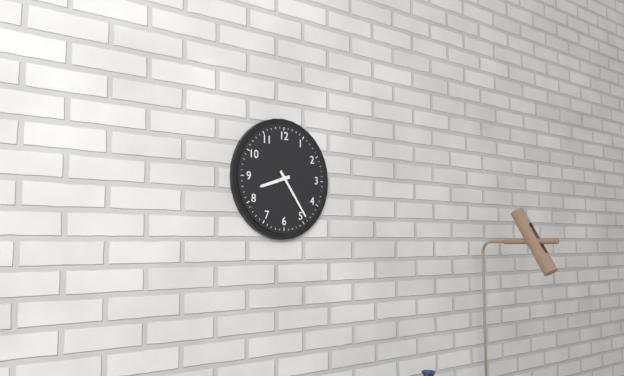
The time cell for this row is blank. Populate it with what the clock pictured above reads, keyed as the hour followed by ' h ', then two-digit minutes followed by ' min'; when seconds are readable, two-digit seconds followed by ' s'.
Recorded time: 8 h 24 min
